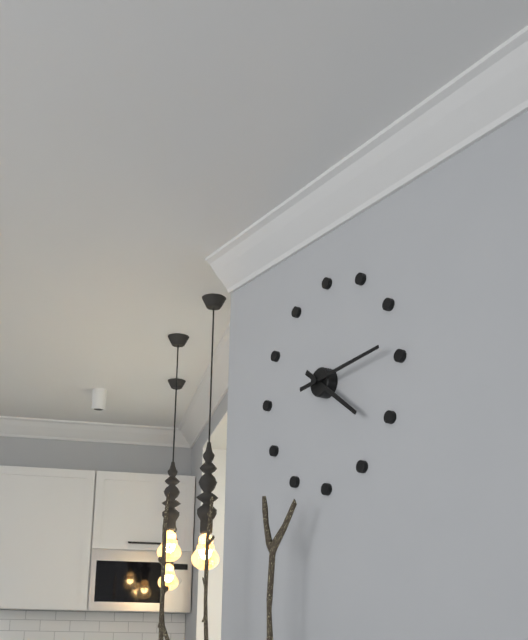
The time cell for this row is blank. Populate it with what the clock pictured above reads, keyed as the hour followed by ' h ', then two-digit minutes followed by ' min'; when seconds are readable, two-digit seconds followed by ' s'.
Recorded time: 4 h 14 min
